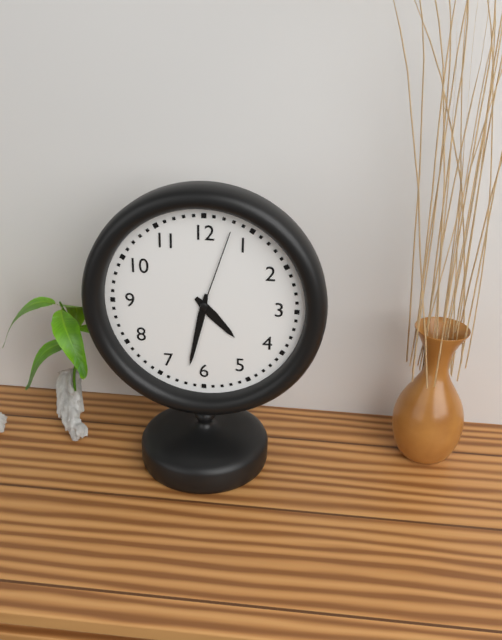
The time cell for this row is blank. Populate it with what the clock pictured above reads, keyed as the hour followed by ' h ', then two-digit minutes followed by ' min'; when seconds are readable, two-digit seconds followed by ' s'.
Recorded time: 4 h 32 min 03 s
